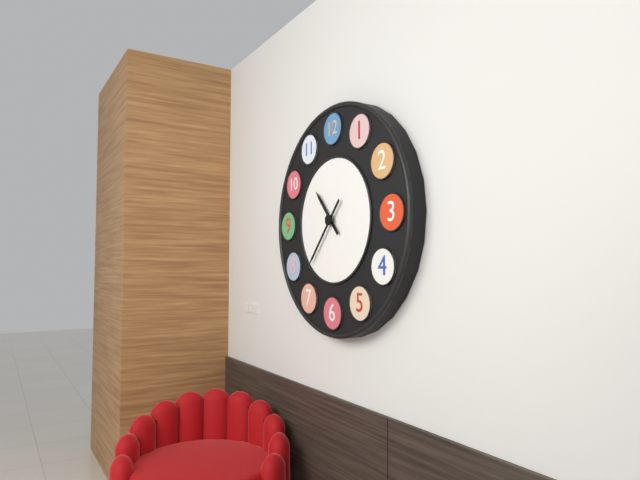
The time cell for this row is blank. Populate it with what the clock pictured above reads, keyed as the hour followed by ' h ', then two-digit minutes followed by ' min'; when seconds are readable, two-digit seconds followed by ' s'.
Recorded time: 10 h 37 min
